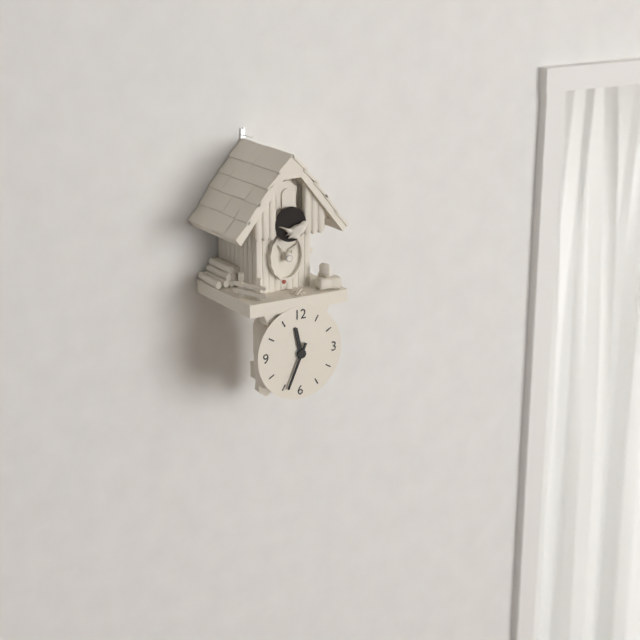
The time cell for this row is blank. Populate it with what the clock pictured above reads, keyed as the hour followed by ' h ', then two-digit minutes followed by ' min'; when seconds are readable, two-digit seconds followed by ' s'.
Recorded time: 11 h 34 min
